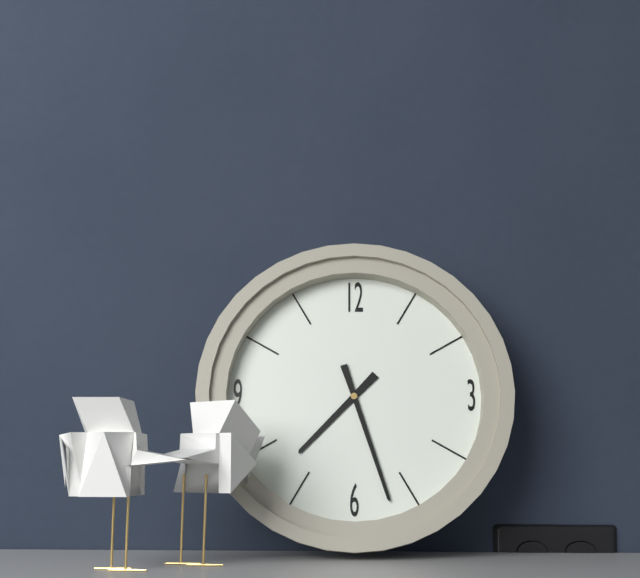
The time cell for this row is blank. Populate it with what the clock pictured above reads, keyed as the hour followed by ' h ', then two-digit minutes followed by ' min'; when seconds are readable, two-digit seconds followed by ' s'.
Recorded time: 7 h 27 min
